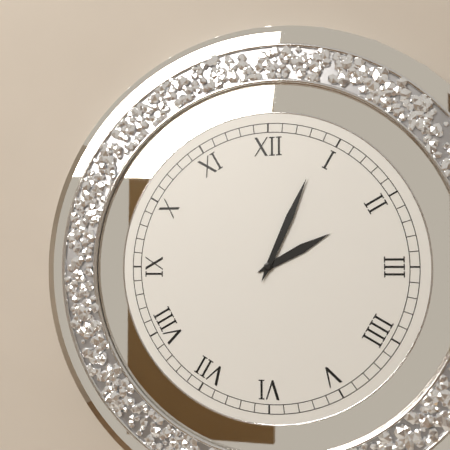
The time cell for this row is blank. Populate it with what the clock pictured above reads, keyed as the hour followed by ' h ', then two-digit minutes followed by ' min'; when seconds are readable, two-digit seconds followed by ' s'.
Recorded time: 2 h 04 min
